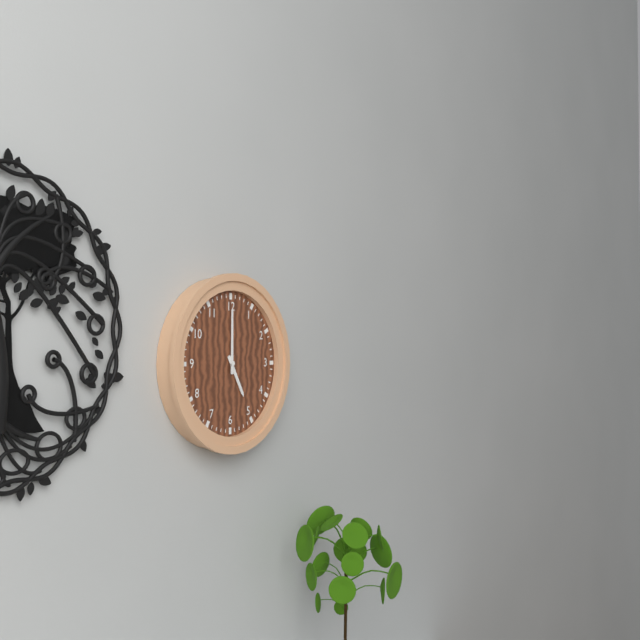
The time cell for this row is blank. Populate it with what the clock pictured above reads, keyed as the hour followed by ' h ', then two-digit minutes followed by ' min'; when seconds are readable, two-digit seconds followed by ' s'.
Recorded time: 5 h 00 min
